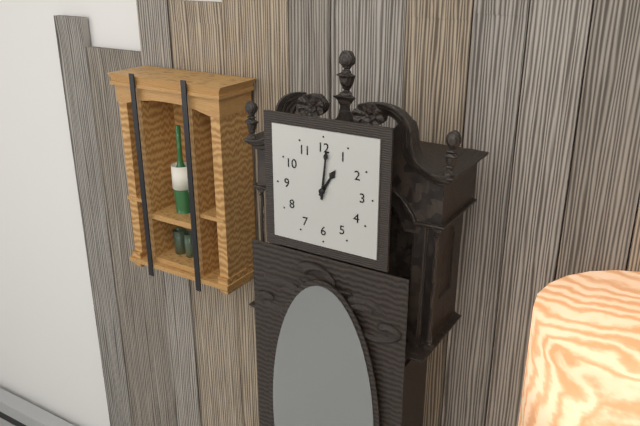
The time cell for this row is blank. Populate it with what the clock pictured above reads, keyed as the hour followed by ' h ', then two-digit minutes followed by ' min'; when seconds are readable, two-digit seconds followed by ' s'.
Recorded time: 1 h 01 min
